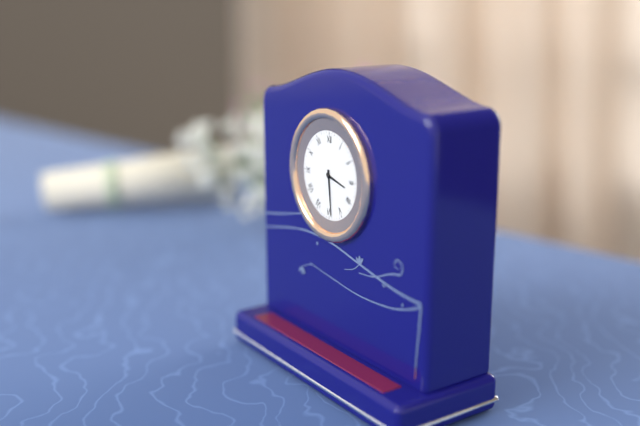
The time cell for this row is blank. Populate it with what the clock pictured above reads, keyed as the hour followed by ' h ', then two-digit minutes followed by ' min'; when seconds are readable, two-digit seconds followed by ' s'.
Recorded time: 3 h 29 min
